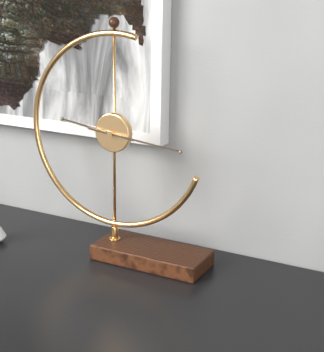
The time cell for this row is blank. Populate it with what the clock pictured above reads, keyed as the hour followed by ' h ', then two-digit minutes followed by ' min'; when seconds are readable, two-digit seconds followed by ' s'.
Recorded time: 9 h 16 min
